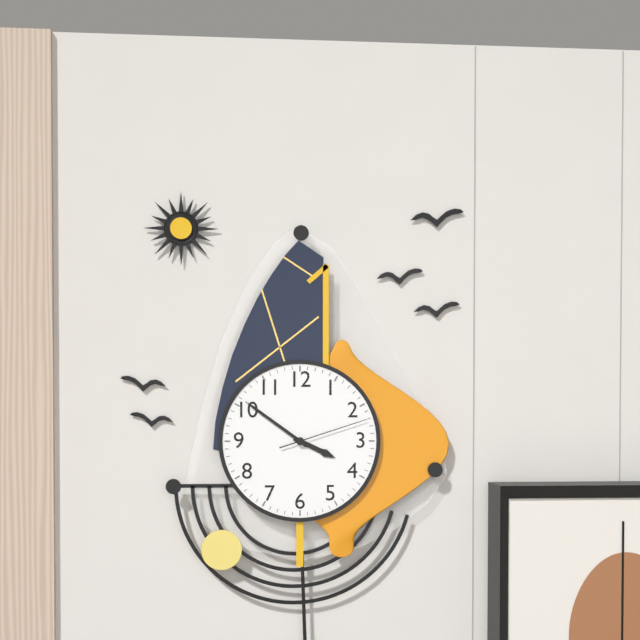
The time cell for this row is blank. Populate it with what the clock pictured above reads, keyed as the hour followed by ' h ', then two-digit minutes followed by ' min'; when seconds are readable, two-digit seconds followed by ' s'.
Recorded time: 3 h 51 min 12 s
